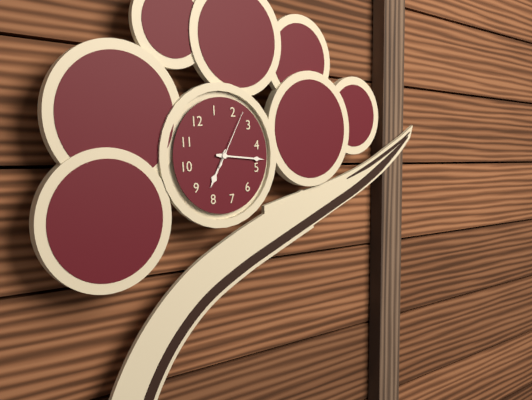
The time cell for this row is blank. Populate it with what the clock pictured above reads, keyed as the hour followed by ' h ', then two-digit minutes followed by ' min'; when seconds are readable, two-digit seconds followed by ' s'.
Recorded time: 8 h 23 min 12 s
